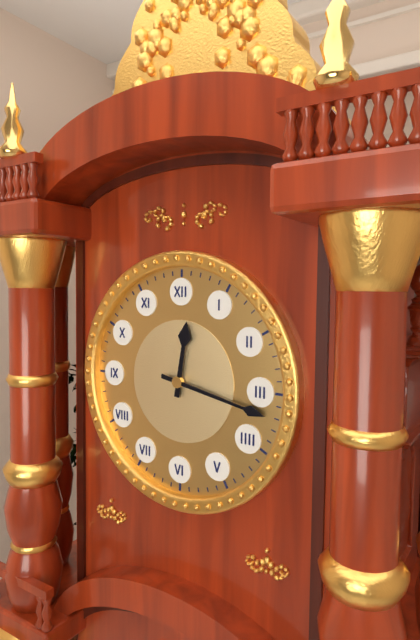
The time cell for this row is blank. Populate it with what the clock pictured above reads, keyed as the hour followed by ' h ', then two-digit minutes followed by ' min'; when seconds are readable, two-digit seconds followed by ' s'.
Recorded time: 12 h 17 min
